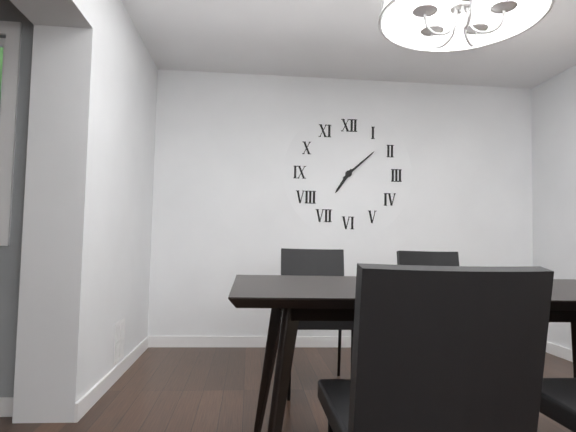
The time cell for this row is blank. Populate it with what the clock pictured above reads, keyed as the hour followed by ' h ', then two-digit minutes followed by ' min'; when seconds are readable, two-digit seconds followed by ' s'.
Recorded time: 7 h 08 min
